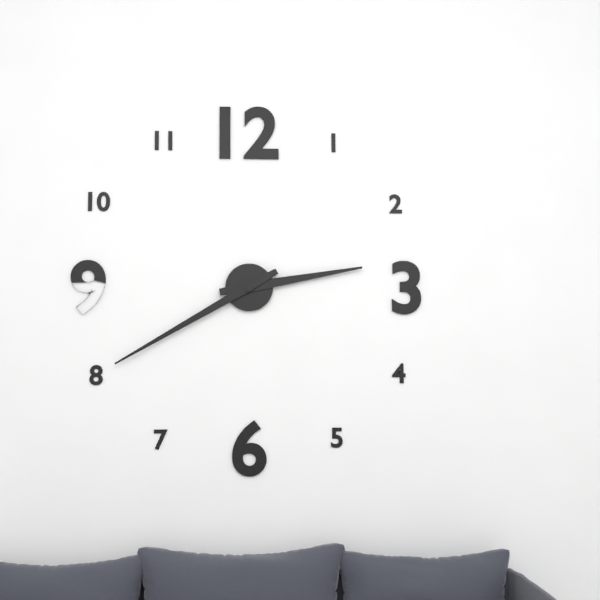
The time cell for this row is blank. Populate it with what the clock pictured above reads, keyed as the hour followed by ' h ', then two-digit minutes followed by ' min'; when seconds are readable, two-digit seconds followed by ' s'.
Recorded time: 2 h 40 min
